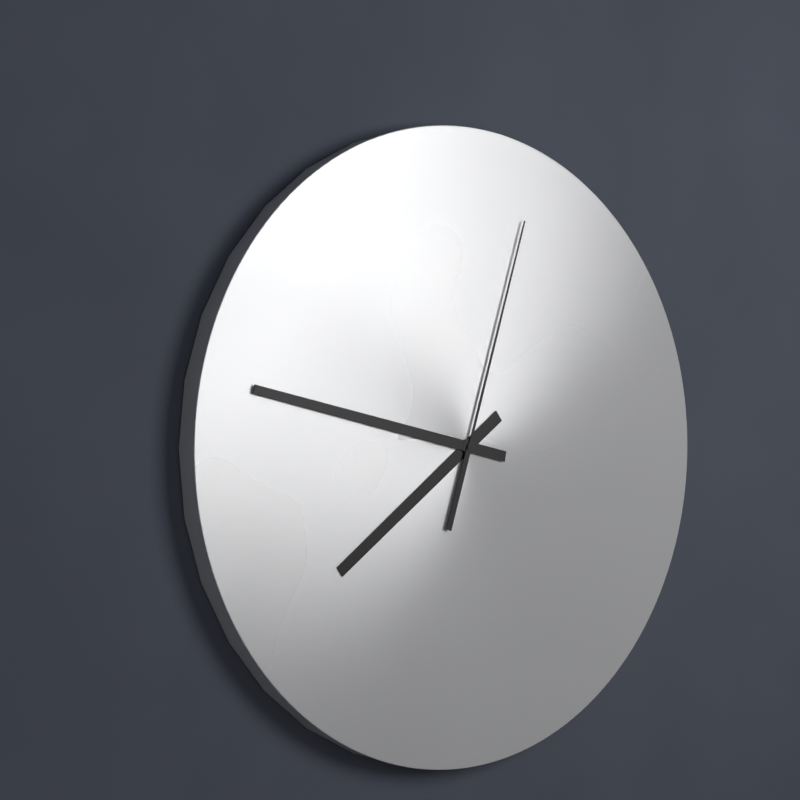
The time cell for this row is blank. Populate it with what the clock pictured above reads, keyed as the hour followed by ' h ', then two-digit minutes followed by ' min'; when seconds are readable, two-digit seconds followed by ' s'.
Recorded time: 7 h 47 min 03 s
